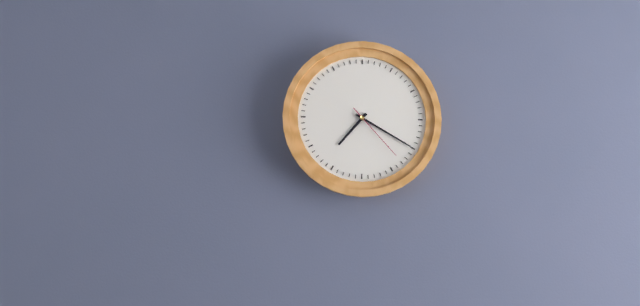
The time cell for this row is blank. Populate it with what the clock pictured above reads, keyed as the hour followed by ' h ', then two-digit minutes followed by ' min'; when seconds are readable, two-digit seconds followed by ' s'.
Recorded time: 7 h 20 min 23 s
